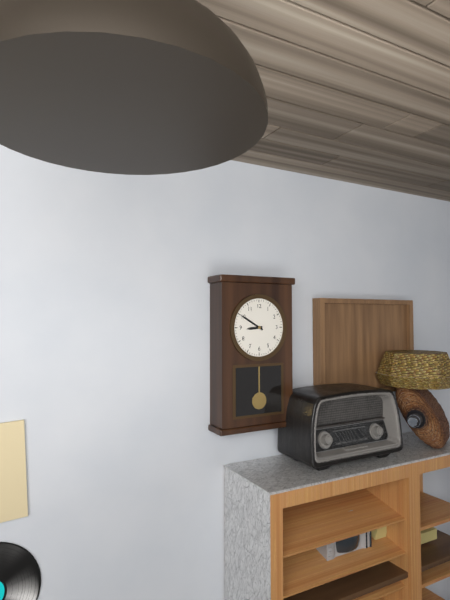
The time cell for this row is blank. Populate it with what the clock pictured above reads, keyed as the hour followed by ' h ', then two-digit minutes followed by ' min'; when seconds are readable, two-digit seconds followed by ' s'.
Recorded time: 8 h 50 min
